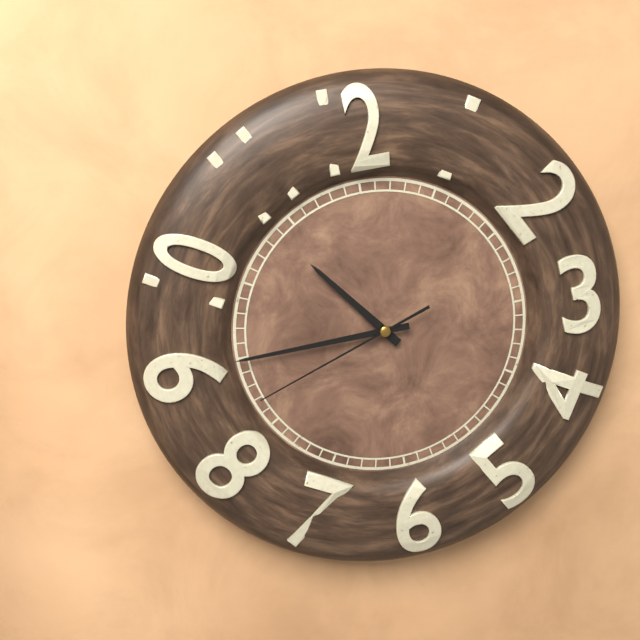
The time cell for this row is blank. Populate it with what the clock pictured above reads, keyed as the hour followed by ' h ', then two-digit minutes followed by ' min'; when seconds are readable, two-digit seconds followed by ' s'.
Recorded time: 10 h 45 min 42 s
